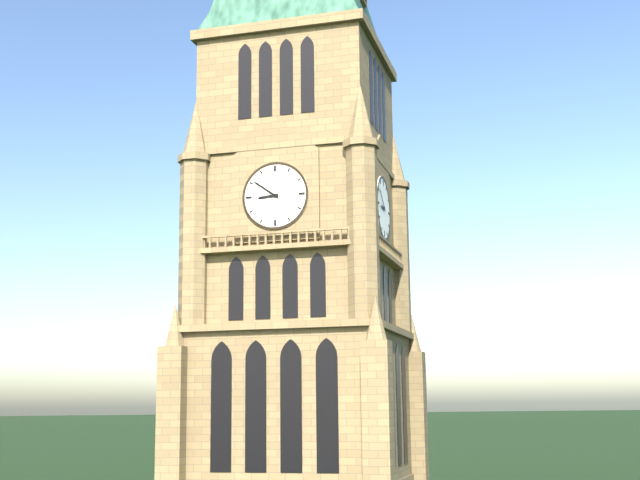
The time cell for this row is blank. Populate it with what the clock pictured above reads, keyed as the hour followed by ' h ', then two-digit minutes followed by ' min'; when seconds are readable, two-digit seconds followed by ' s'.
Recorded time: 8 h 51 min
